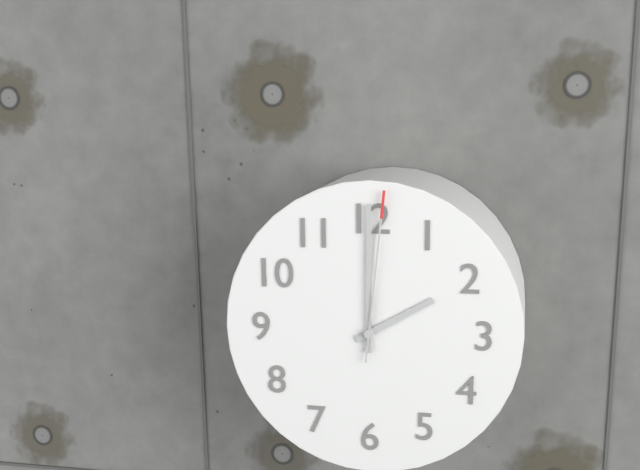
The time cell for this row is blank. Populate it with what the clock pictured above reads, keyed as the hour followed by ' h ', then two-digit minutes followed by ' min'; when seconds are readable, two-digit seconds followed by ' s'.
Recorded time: 2 h 00 min 01 s
